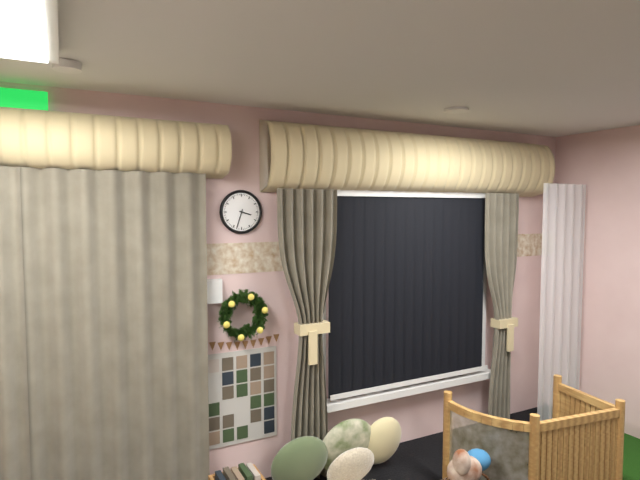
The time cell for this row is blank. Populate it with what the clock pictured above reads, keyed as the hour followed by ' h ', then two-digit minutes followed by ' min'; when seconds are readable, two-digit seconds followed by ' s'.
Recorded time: 3 h 33 min
